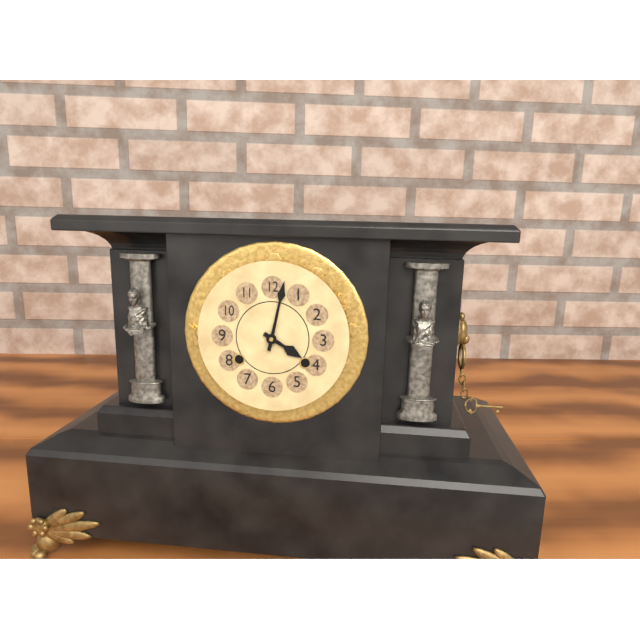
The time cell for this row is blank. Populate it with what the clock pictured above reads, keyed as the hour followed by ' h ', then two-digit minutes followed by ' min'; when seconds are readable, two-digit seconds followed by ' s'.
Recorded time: 4 h 02 min
